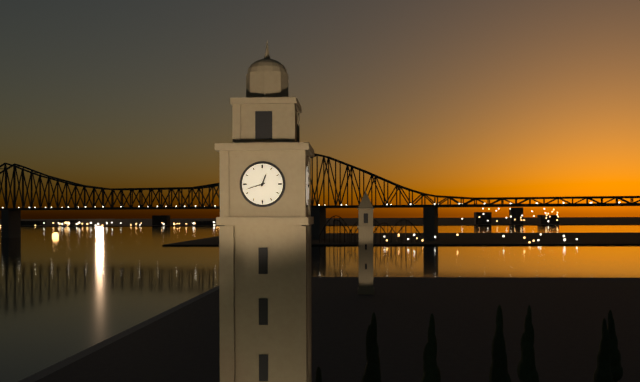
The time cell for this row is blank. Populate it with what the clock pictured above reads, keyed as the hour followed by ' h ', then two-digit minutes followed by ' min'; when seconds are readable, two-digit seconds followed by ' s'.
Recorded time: 12 h 42 min
